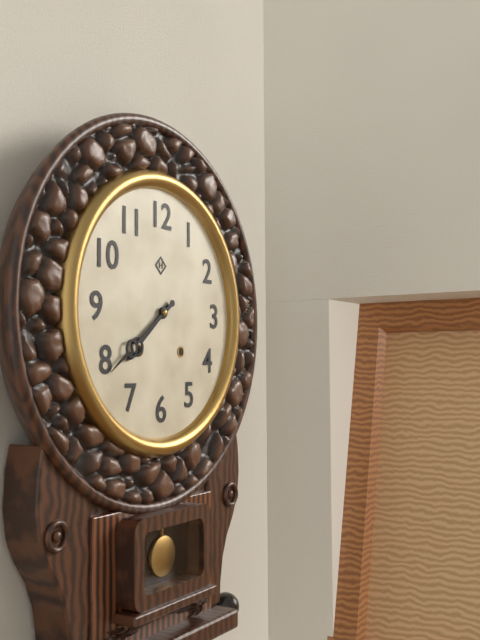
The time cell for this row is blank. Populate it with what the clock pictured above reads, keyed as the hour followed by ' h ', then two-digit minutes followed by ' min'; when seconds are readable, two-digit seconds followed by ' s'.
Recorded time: 7 h 39 min
